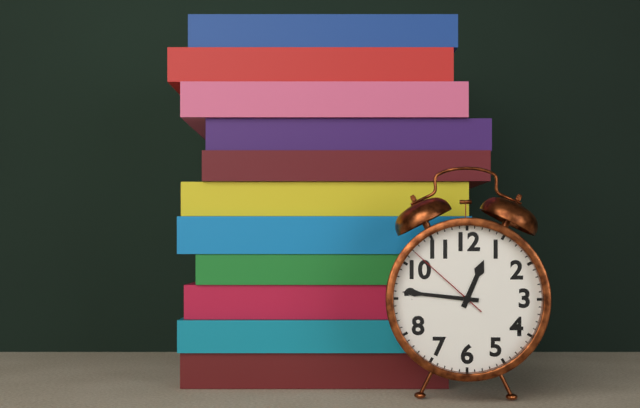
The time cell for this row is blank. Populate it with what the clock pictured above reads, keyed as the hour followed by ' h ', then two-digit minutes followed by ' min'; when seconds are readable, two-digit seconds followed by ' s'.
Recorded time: 12 h 46 min 52 s
